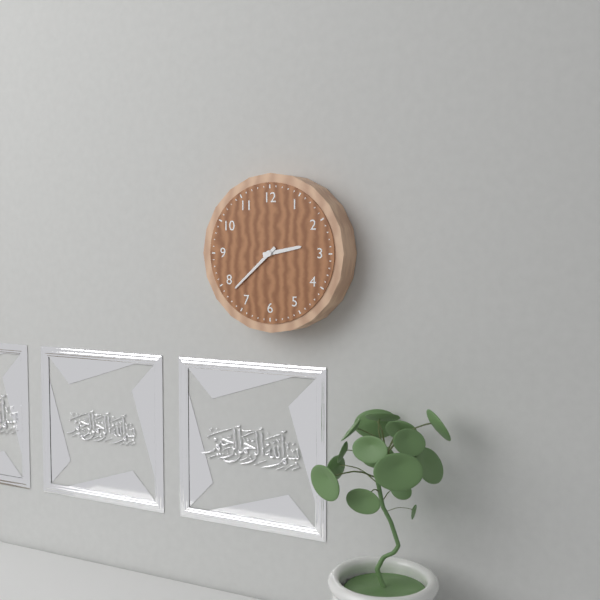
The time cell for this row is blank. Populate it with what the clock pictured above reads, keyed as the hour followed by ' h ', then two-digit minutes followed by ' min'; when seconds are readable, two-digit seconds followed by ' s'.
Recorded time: 2 h 38 min
